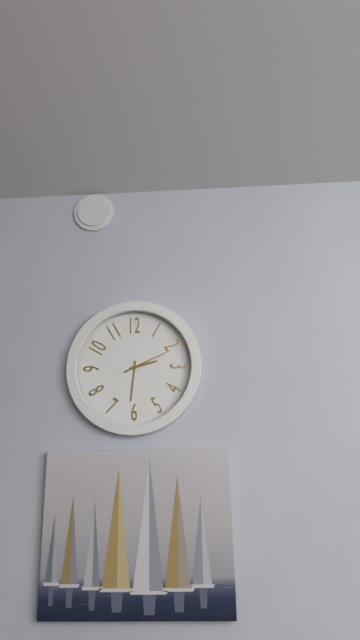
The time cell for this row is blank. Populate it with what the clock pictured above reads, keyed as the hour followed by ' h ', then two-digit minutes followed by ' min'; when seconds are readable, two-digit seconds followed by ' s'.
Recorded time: 2 h 31 min 11 s
